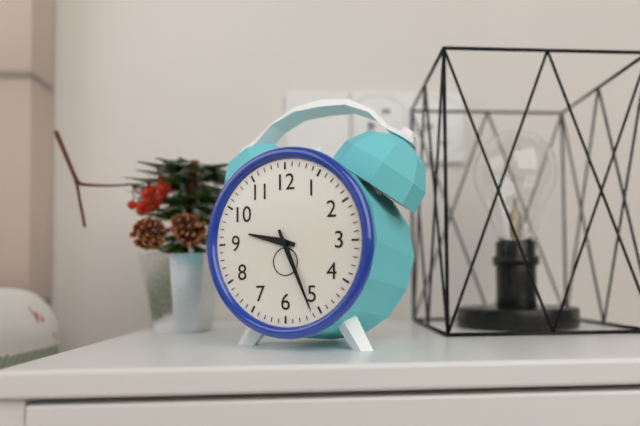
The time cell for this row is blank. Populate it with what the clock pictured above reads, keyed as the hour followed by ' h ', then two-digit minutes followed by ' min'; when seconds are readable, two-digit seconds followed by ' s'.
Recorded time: 9 h 26 min
